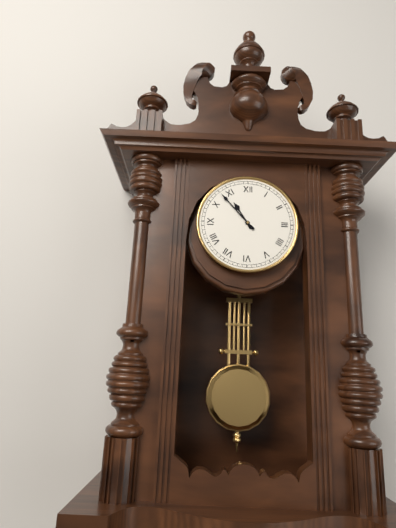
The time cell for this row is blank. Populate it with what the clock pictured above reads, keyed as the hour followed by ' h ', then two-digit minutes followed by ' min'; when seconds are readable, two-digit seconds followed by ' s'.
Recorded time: 10 h 53 min
